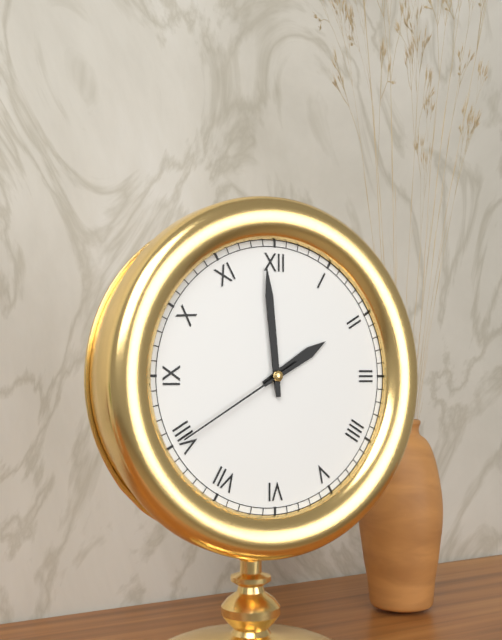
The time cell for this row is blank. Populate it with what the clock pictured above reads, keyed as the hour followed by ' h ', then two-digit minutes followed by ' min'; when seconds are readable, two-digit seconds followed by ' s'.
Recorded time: 1 h 59 min 40 s
